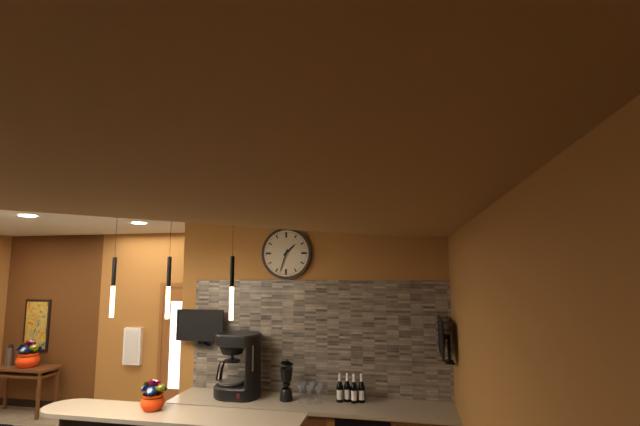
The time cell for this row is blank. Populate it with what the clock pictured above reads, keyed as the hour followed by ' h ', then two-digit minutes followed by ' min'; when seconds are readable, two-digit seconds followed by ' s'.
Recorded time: 1 h 33 min
